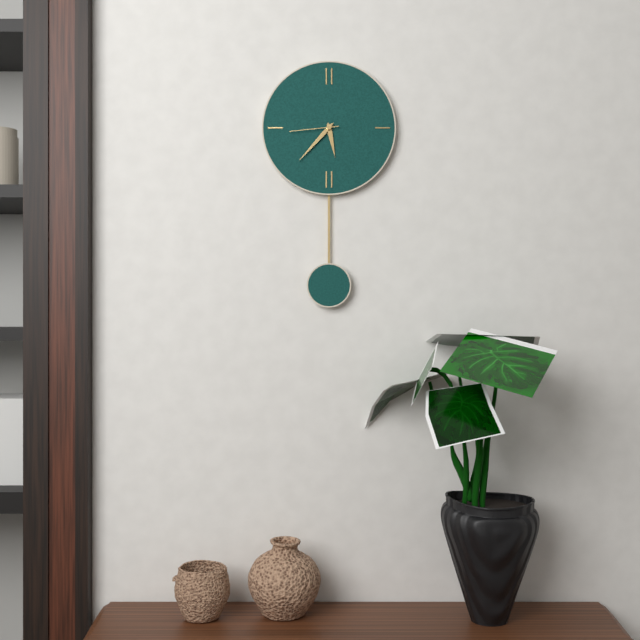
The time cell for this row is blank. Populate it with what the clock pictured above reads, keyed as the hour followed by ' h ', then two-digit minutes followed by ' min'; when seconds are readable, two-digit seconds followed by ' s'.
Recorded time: 5 h 37 min
